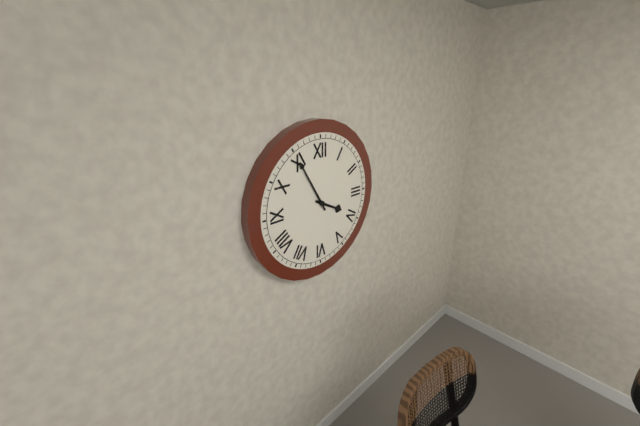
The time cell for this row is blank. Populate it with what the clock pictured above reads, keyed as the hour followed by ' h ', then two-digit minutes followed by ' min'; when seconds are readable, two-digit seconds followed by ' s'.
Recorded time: 3 h 55 min
